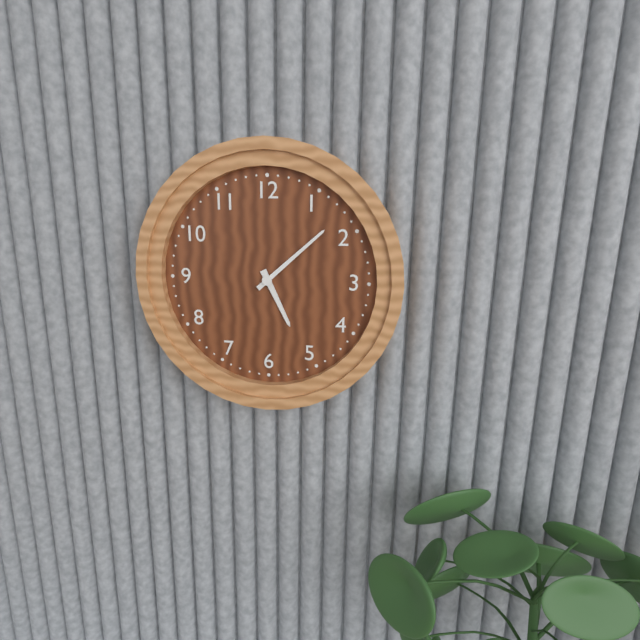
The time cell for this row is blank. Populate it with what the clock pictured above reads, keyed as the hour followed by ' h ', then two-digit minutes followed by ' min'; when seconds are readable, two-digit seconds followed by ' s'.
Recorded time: 5 h 08 min
